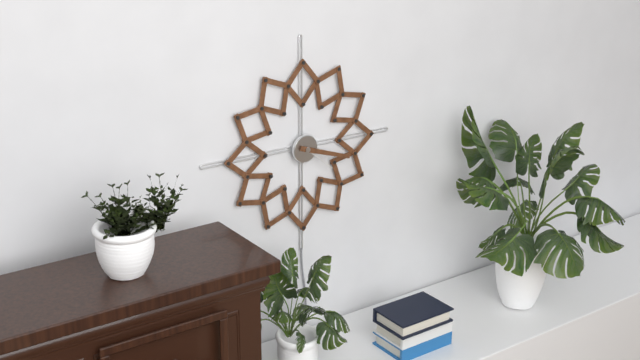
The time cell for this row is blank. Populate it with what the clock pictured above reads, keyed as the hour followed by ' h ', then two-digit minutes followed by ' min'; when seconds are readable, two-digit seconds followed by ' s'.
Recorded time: 4 h 18 min
